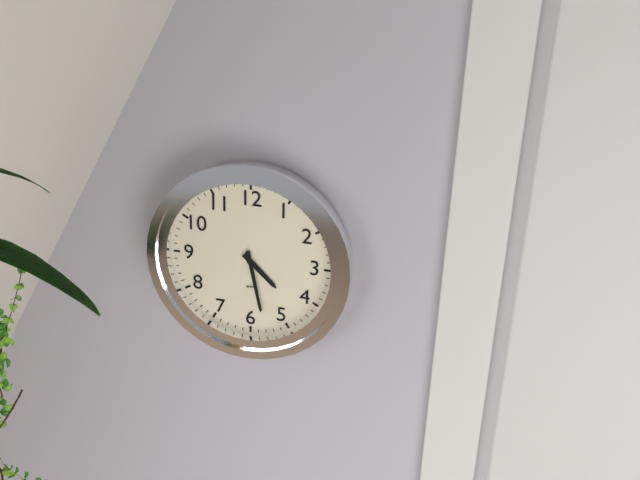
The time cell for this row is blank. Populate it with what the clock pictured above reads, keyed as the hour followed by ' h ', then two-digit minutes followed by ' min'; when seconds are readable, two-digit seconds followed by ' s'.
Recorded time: 4 h 28 min
